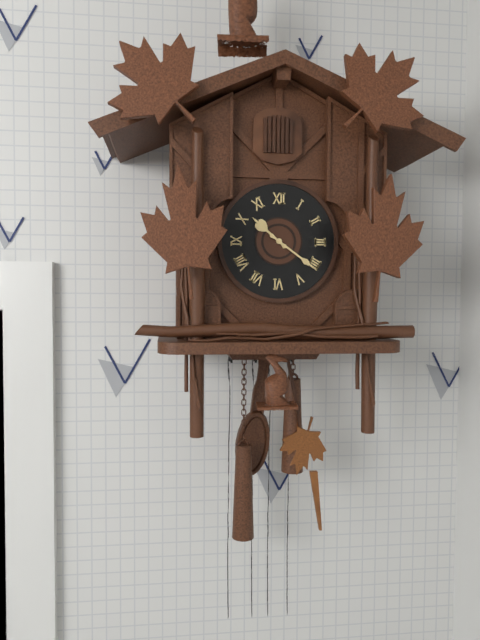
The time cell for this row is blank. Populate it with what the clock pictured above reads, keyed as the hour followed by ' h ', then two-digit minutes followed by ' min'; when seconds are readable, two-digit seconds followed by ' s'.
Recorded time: 10 h 21 min
